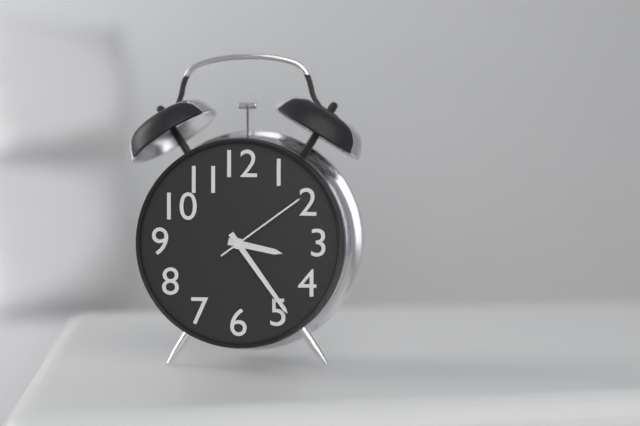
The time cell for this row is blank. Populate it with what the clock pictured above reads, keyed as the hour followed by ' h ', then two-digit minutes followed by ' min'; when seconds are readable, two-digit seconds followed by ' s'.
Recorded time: 3 h 24 min 09 s
